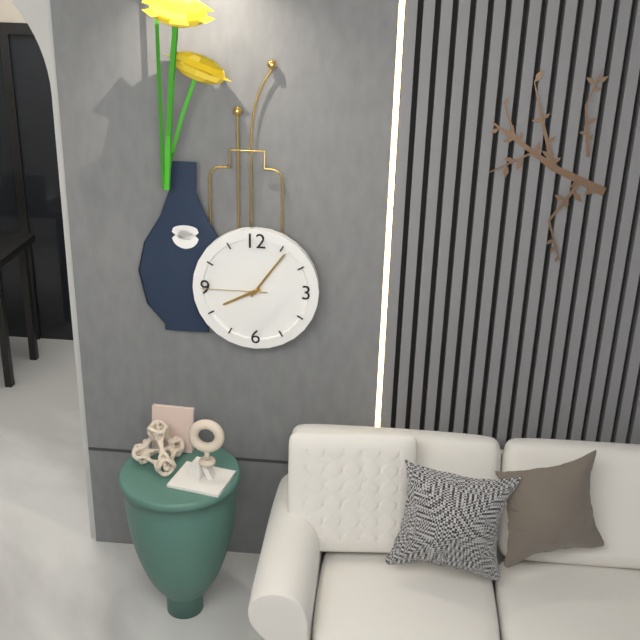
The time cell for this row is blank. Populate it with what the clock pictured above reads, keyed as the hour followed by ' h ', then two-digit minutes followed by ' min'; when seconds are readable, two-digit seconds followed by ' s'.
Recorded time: 8 h 06 min 45 s
